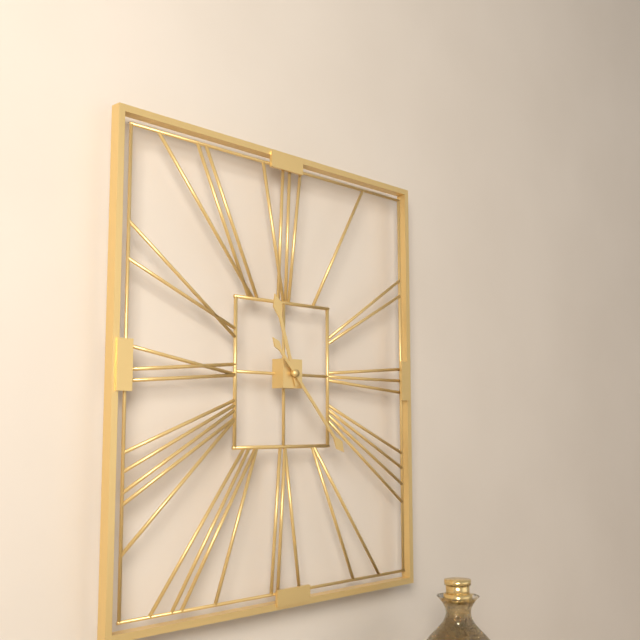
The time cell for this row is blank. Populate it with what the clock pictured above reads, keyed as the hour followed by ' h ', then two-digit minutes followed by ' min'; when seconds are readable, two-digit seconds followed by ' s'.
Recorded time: 11 h 23 min
